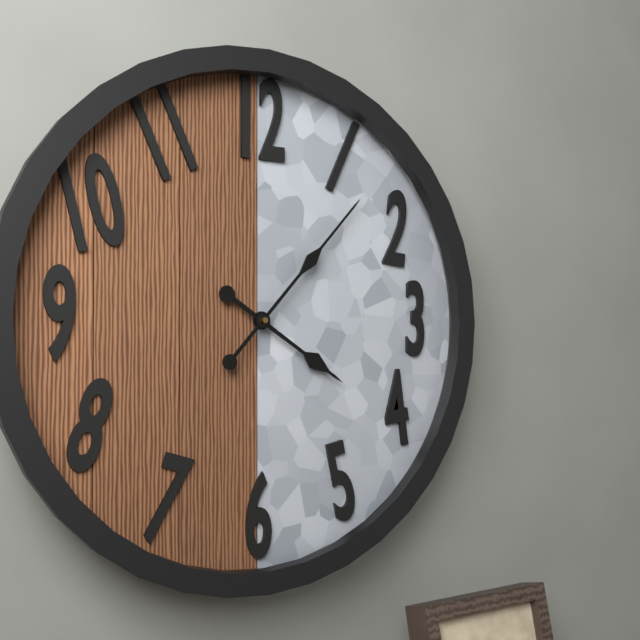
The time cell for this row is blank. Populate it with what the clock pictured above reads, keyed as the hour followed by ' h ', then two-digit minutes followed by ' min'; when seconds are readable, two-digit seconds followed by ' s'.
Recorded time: 4 h 07 min
